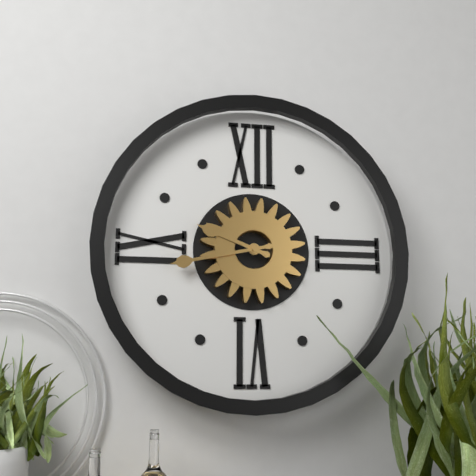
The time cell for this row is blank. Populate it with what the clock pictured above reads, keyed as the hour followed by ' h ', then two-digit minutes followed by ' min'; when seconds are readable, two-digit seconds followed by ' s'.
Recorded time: 9 h 43 min
